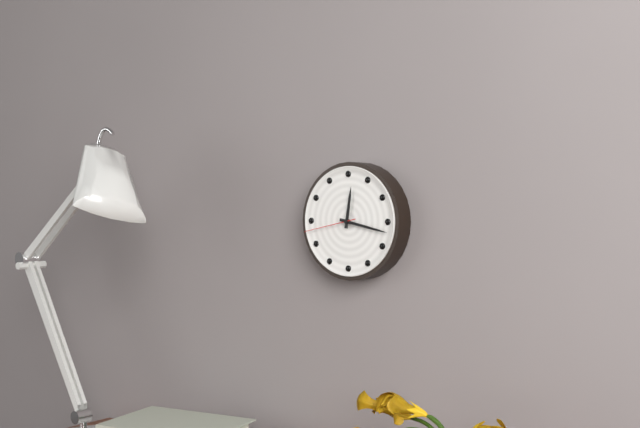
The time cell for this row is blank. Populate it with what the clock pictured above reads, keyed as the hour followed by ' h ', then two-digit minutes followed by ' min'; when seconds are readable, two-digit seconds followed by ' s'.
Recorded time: 12 h 17 min 43 s
